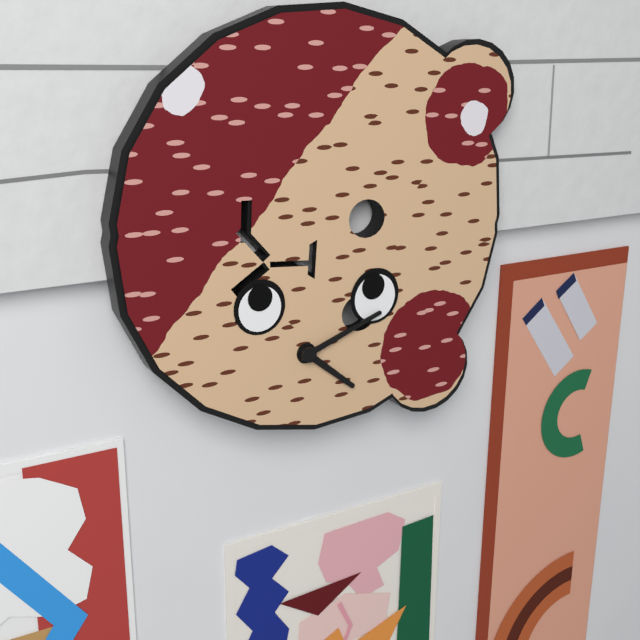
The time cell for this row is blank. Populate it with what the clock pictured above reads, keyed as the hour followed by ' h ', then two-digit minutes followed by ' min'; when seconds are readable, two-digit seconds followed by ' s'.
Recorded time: 4 h 11 min
